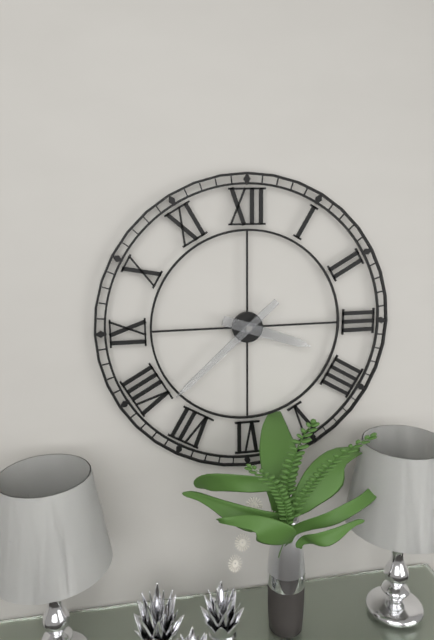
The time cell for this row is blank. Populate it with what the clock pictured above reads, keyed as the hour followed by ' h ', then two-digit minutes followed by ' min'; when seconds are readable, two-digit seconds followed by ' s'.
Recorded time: 3 h 38 min
